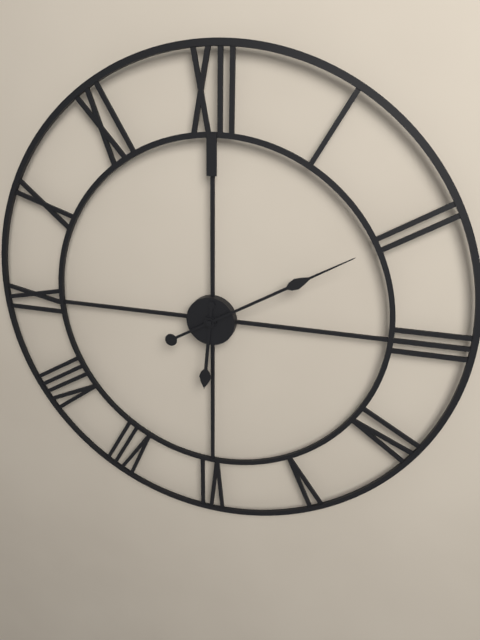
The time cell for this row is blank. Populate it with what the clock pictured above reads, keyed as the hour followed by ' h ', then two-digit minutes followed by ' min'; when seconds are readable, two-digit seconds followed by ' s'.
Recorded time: 6 h 10 min
